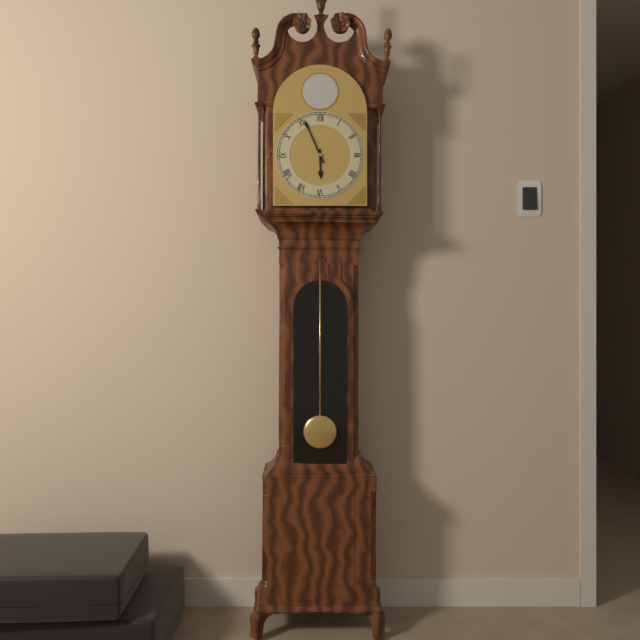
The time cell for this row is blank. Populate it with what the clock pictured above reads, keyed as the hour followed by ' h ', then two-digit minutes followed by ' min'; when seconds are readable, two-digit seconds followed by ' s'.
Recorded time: 5 h 56 min
